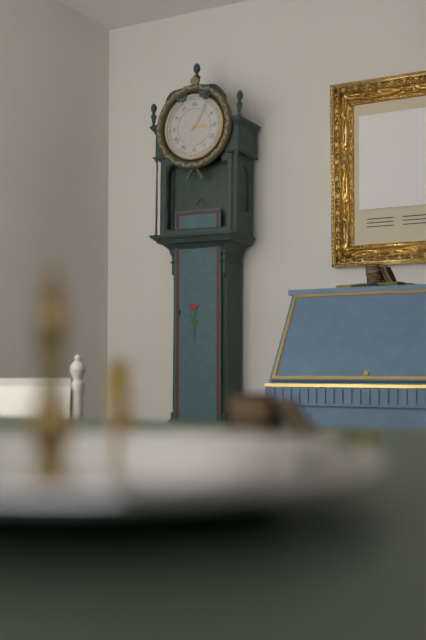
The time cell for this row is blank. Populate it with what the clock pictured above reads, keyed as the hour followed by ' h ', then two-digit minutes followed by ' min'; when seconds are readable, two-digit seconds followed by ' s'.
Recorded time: 3 h 06 min
